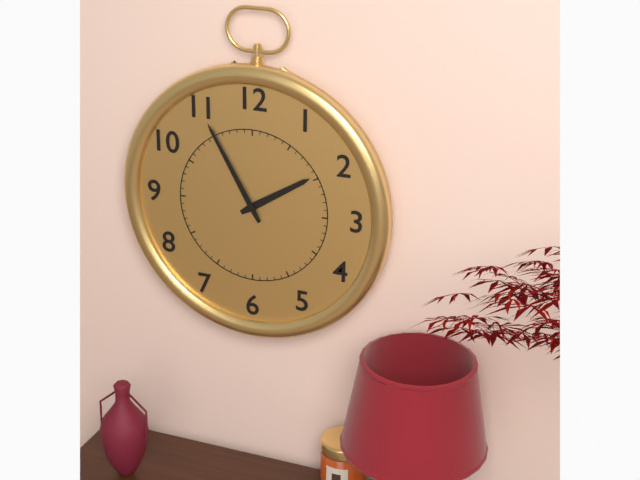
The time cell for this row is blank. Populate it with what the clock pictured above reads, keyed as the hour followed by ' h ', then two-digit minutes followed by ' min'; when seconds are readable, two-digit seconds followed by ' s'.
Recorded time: 1 h 55 min
